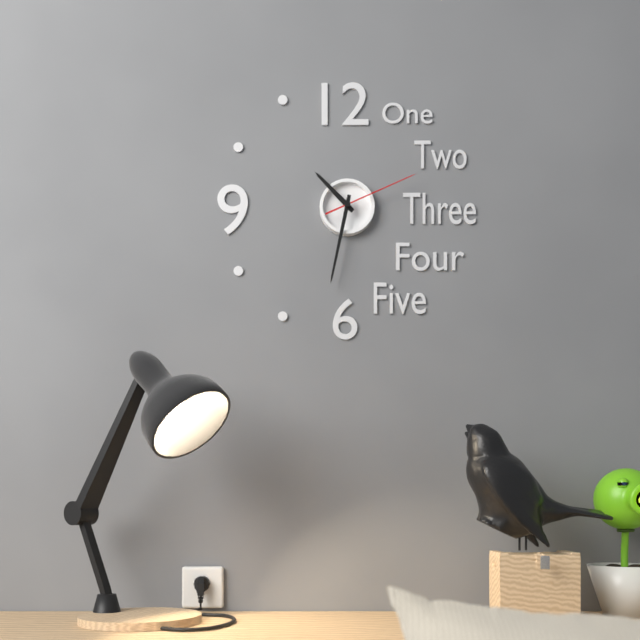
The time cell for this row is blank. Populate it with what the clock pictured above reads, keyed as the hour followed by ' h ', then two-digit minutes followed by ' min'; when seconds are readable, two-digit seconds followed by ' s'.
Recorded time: 10 h 32 min 11 s
